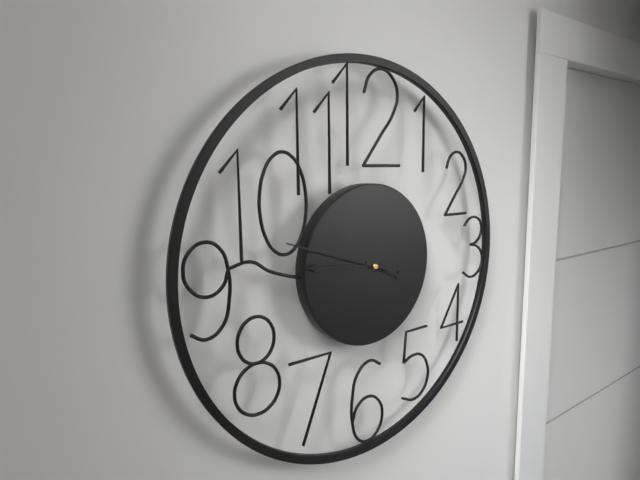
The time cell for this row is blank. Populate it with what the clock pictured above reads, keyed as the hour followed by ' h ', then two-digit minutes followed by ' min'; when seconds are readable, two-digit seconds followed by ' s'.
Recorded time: 3 h 46 min 48 s
